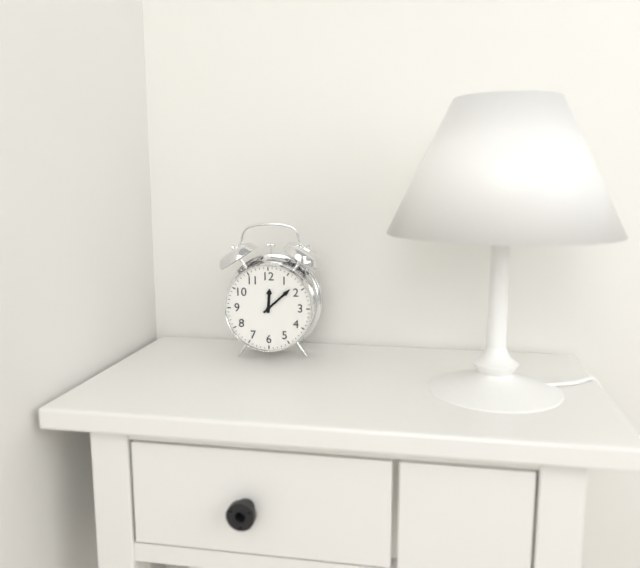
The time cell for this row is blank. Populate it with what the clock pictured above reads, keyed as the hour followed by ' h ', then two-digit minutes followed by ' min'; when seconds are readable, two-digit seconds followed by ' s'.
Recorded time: 12 h 08 min
